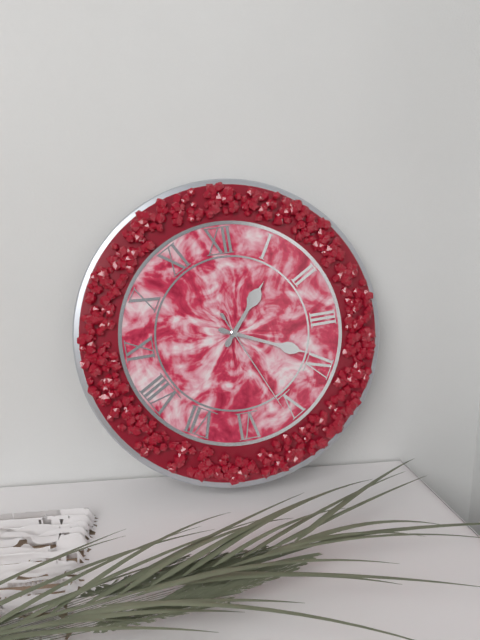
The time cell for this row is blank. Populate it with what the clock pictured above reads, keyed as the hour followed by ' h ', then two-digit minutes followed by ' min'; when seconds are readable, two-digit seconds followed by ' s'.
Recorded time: 1 h 19 min 26 s
